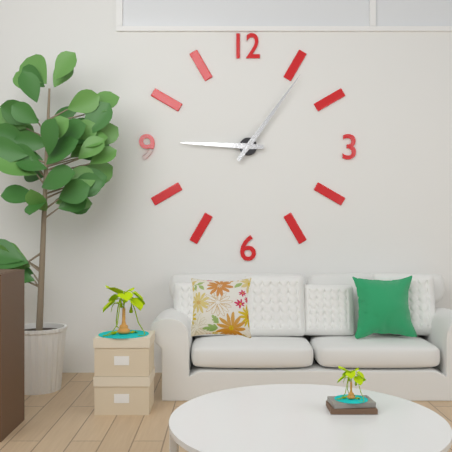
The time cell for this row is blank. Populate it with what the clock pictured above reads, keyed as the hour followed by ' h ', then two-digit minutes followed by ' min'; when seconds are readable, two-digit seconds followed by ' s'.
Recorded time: 9 h 06 min
